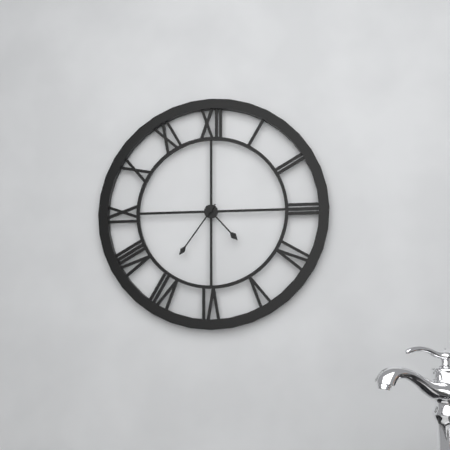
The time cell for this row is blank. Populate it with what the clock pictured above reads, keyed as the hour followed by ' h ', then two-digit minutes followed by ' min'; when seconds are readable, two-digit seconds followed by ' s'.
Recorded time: 4 h 36 min
